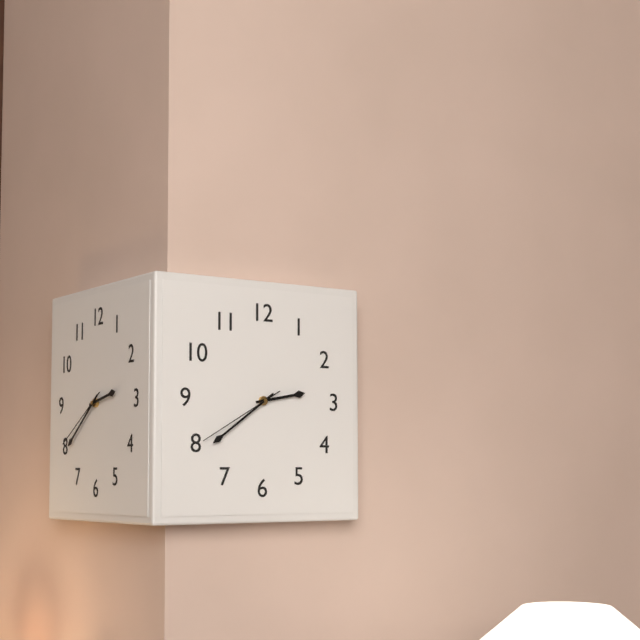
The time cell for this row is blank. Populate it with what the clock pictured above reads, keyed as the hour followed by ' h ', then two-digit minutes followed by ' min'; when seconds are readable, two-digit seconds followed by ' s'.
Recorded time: 2 h 39 min 40 s
